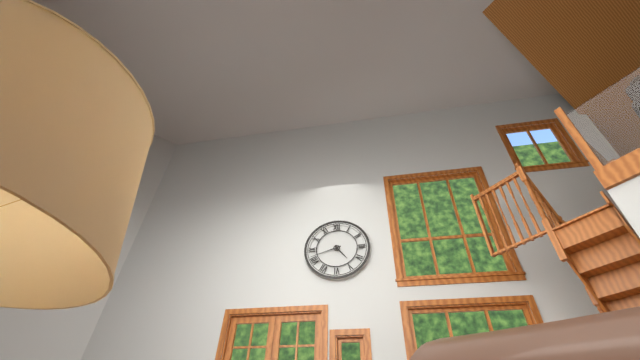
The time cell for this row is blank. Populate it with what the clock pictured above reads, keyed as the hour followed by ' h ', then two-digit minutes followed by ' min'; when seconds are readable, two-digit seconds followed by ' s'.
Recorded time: 4 h 42 min
